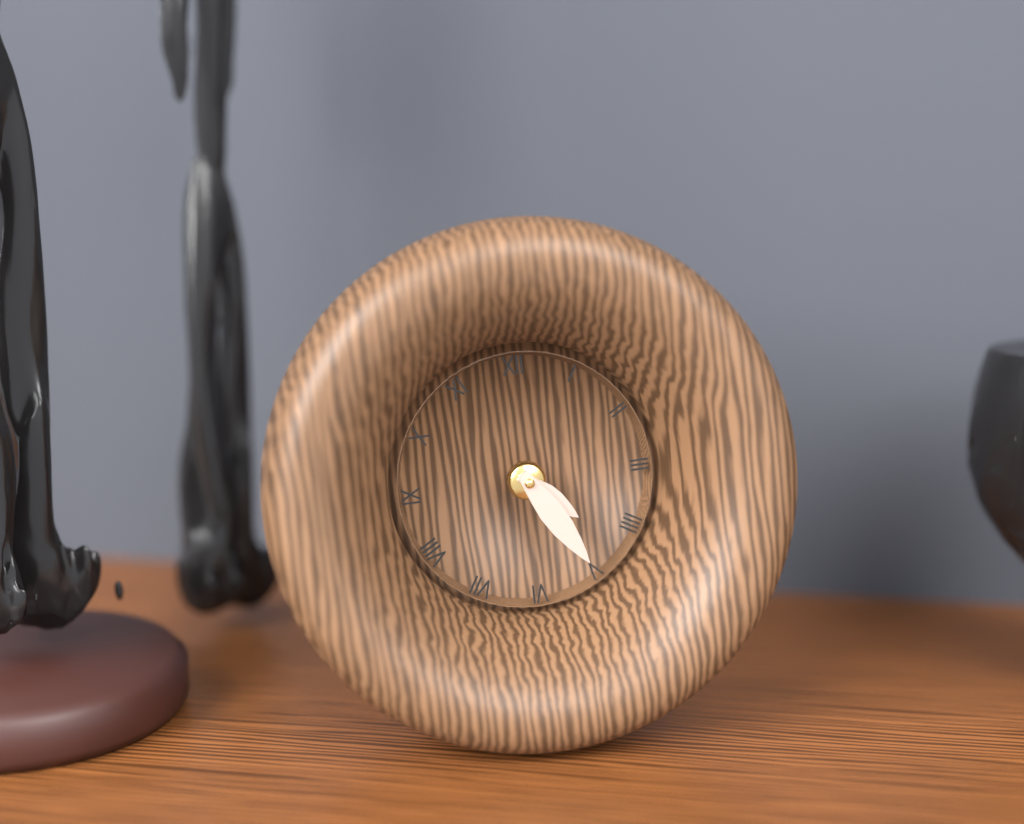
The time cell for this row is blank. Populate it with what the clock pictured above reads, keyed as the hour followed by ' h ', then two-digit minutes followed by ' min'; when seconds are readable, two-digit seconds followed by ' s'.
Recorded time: 4 h 25 min
